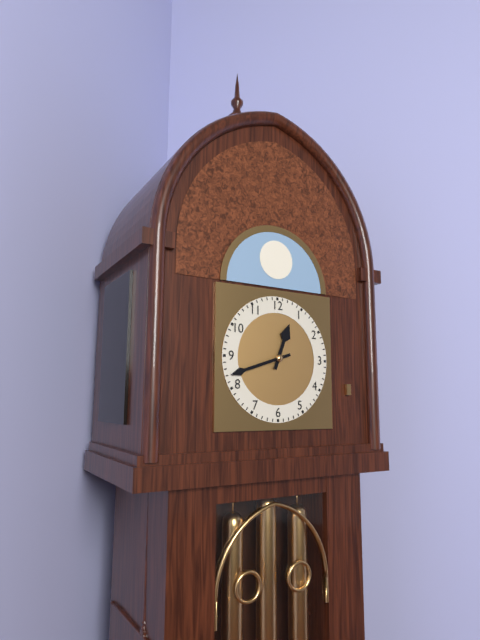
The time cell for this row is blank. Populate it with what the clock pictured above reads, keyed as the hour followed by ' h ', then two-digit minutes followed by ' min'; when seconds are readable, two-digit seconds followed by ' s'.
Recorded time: 12 h 42 min
